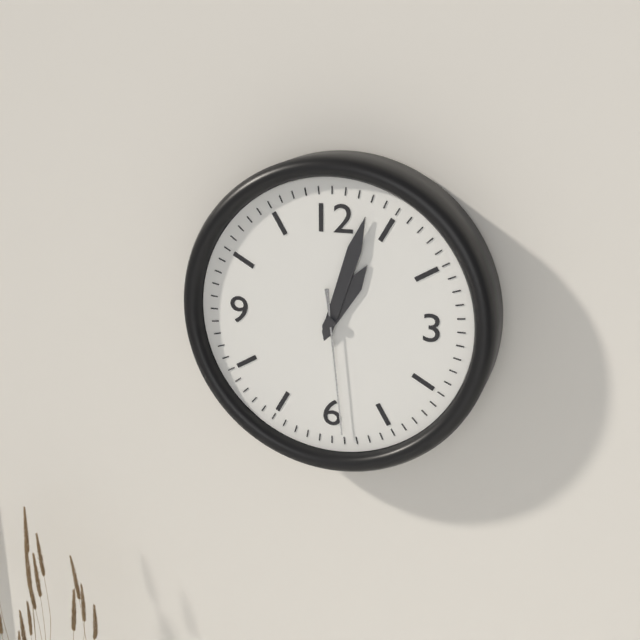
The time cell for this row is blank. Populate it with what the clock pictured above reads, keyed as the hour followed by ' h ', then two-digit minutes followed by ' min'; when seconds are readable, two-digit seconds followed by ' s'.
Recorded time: 1 h 03 min 29 s
